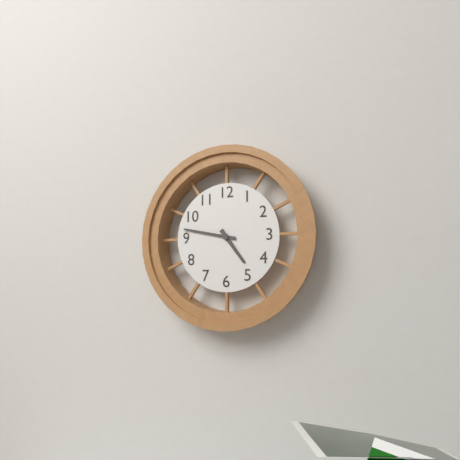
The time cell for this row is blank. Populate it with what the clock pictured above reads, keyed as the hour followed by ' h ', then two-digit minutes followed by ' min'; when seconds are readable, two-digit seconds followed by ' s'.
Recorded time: 4 h 47 min
